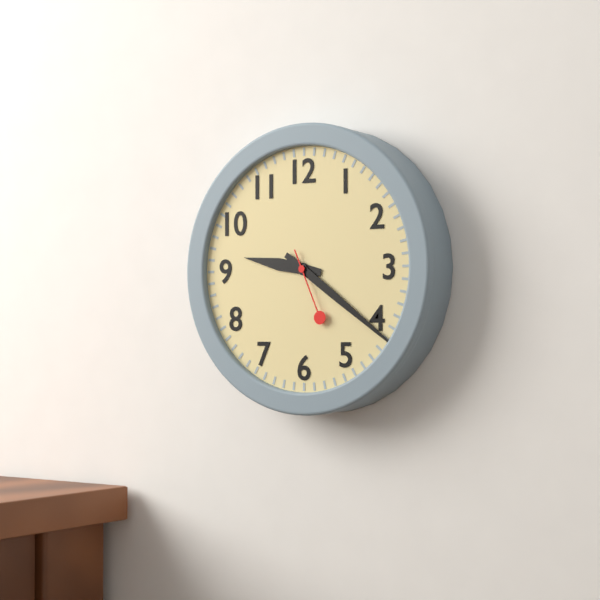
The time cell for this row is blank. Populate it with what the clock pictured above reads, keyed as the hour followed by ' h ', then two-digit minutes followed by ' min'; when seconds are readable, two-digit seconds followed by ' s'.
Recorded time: 9 h 21 min 26 s
